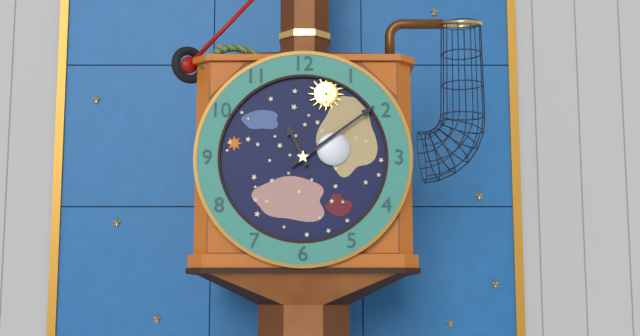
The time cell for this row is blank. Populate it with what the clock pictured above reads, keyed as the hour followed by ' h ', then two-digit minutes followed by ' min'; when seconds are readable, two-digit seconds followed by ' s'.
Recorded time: 11 h 09 min
